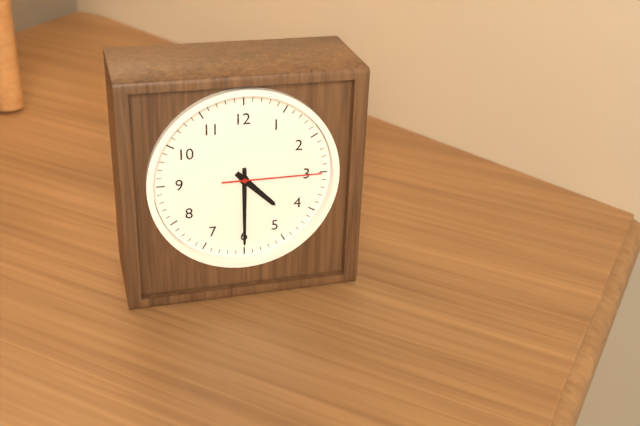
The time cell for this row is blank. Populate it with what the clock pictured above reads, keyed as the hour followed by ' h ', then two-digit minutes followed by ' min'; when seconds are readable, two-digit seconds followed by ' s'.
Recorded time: 4 h 30 min 15 s
